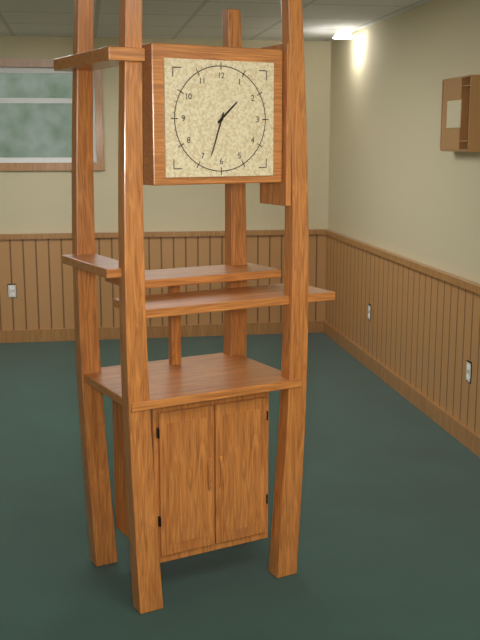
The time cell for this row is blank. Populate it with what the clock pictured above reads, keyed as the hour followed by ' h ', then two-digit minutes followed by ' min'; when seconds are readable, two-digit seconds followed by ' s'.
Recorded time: 1 h 33 min
